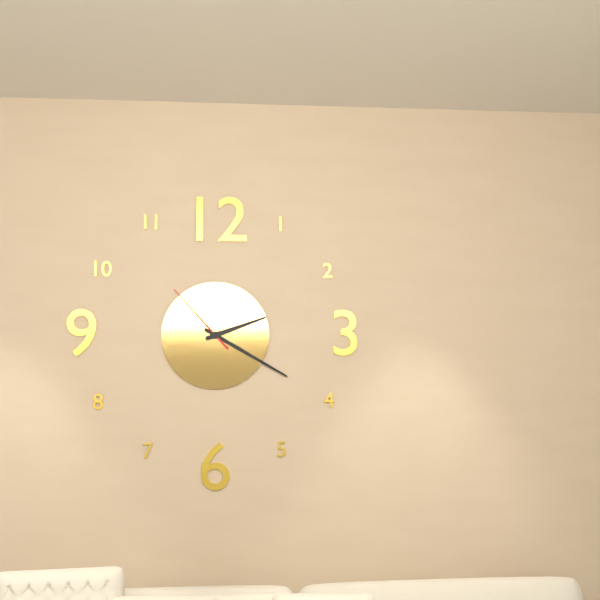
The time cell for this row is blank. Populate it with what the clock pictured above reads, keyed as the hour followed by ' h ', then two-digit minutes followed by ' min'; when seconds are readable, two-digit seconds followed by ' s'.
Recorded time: 2 h 20 min 53 s
